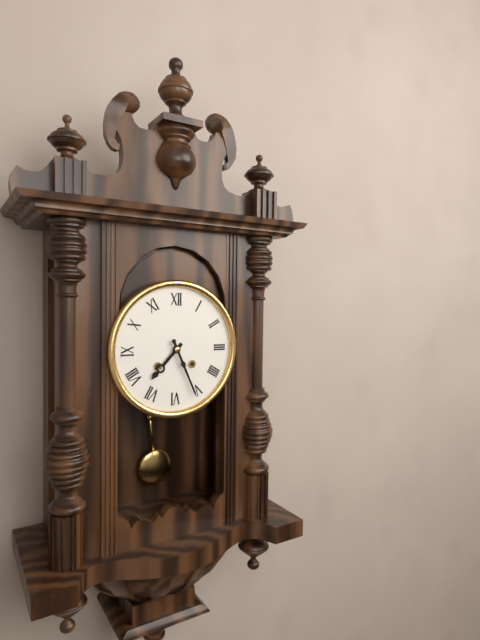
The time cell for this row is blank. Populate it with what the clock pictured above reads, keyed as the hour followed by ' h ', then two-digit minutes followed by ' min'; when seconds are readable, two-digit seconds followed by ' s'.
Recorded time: 7 h 26 min
